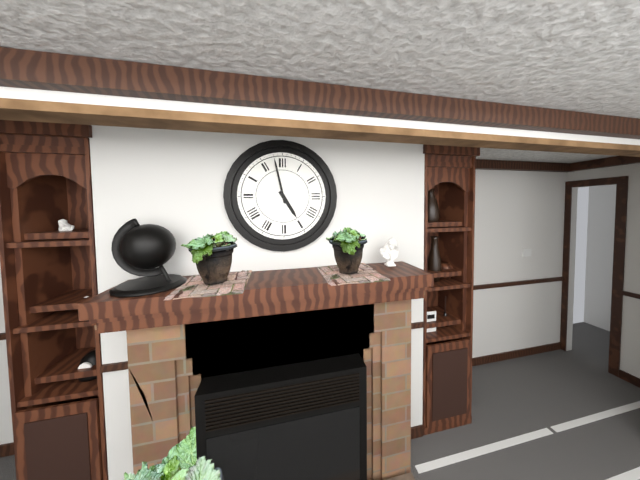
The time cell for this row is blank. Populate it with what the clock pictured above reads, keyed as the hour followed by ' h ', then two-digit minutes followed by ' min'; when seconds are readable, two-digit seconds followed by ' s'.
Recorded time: 4 h 58 min
